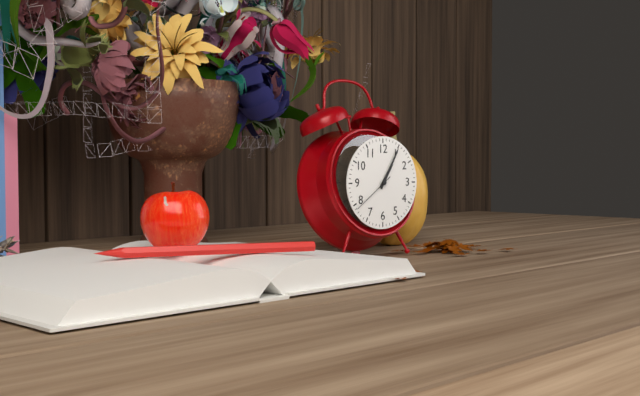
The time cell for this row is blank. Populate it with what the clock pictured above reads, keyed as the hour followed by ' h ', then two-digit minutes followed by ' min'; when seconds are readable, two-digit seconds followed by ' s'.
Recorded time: 1 h 05 min
